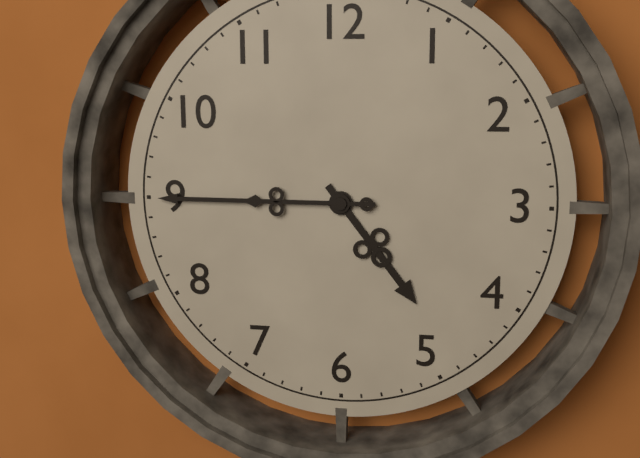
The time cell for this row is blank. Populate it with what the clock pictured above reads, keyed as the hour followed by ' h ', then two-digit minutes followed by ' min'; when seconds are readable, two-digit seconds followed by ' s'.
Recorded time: 4 h 45 min
